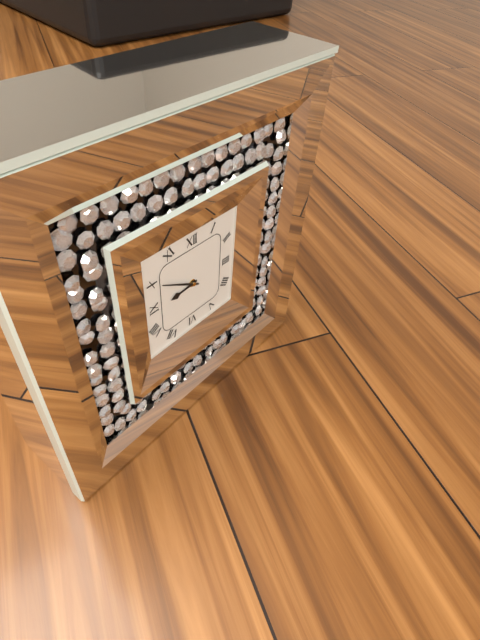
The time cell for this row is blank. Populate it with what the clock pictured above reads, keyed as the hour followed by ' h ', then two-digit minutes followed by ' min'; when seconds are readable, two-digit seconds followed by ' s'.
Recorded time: 8 h 50 min
